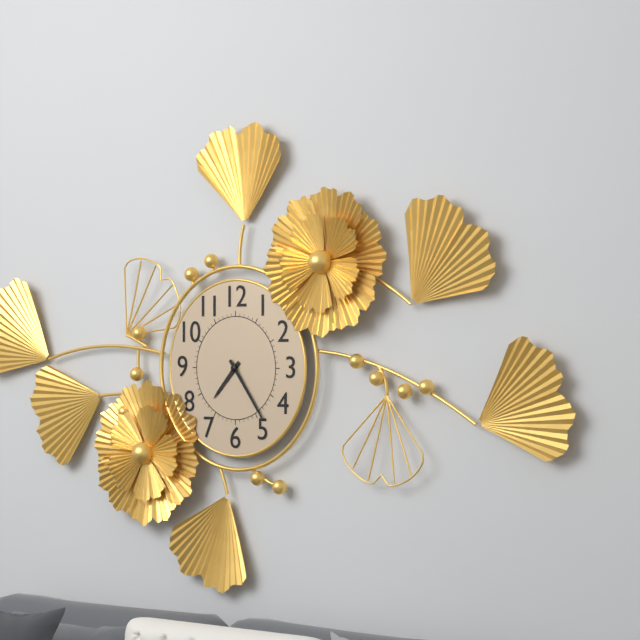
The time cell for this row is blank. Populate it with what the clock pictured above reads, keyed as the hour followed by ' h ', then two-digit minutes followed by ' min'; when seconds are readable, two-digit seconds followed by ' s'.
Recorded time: 7 h 24 min
